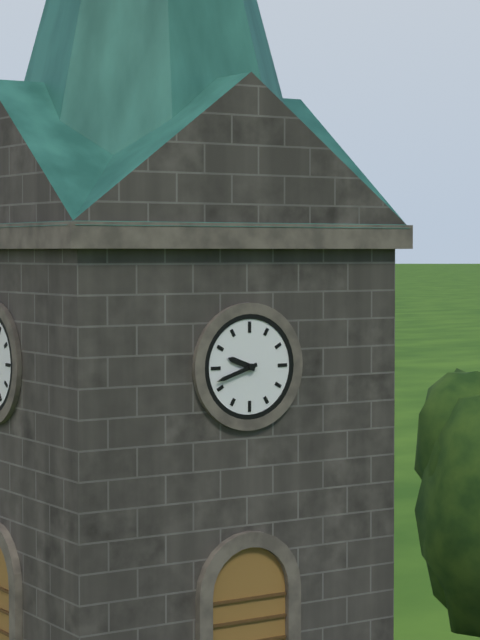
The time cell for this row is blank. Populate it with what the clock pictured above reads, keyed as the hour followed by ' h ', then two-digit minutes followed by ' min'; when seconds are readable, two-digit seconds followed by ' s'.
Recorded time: 9 h 42 min
